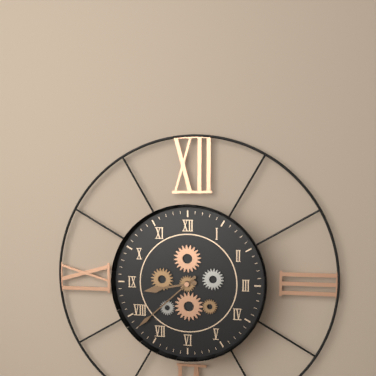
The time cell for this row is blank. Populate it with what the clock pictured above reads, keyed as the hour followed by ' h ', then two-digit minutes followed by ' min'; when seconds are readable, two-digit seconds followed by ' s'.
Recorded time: 8 h 38 min
